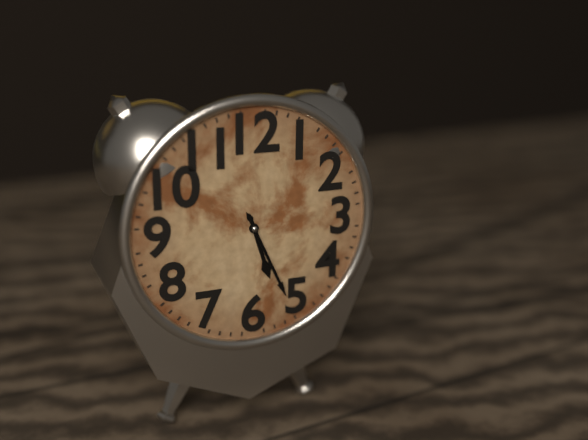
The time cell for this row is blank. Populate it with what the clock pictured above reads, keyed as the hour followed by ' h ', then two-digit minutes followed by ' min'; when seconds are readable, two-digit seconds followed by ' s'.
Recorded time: 5 h 26 min
